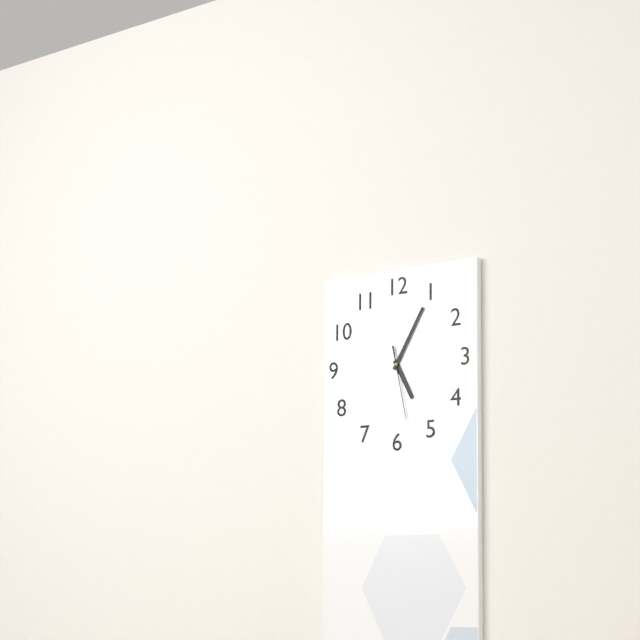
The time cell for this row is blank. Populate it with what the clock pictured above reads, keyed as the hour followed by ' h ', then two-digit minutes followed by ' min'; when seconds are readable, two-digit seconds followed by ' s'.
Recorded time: 5 h 05 min 28 s
